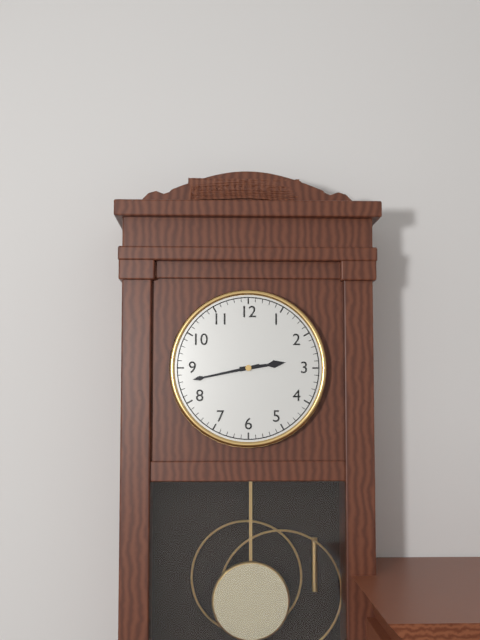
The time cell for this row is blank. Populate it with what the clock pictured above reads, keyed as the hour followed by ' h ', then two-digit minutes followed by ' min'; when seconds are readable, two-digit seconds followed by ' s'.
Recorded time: 2 h 43 min
